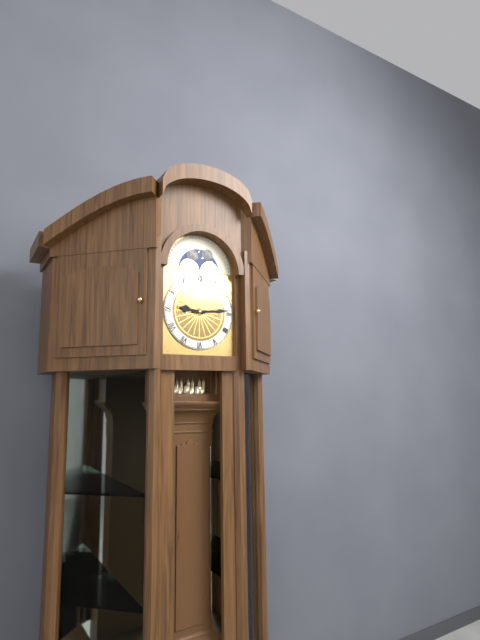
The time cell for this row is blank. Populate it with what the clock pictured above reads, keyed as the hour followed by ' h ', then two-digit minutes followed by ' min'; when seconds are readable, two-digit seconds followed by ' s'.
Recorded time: 9 h 14 min
